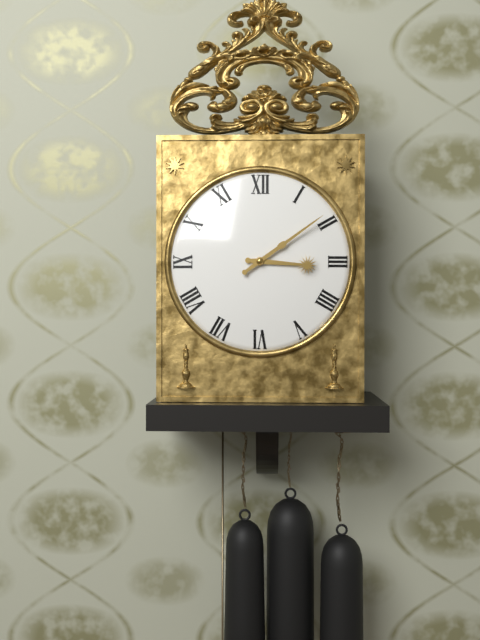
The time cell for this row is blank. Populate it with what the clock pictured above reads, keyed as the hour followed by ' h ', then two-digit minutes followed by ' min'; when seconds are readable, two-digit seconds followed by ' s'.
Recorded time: 3 h 09 min
